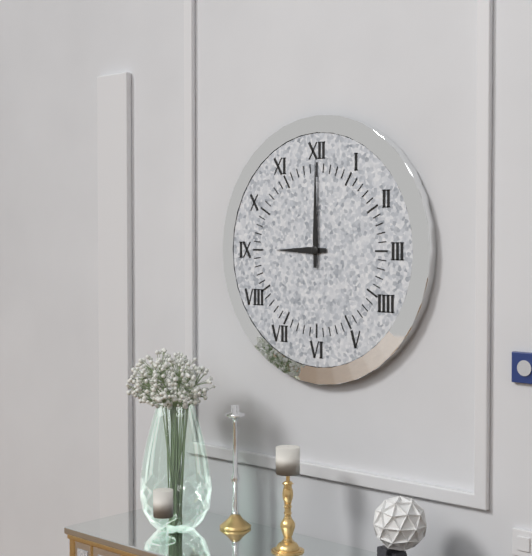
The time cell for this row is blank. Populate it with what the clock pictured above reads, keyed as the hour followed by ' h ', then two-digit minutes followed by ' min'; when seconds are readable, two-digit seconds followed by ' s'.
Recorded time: 9 h 00 min
